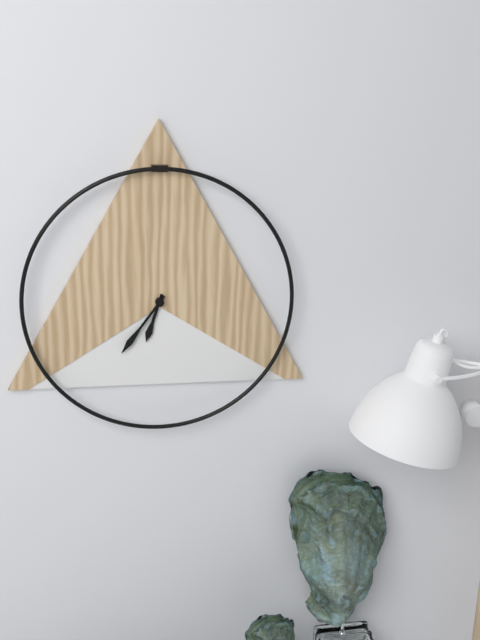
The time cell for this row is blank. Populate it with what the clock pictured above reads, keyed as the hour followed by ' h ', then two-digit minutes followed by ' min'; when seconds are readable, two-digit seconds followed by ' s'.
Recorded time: 6 h 36 min
